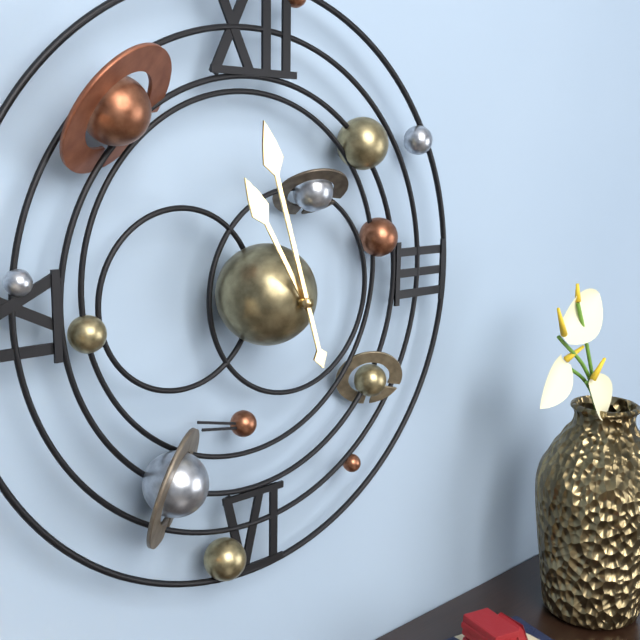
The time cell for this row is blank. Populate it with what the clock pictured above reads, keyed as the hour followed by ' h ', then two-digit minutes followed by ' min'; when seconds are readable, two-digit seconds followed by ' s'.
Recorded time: 10 h 57 min
